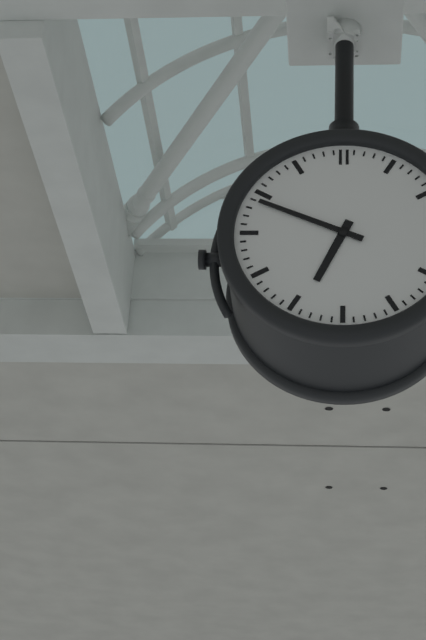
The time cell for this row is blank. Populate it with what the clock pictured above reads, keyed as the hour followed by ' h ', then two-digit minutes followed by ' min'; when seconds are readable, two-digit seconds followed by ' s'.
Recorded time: 6 h 49 min
